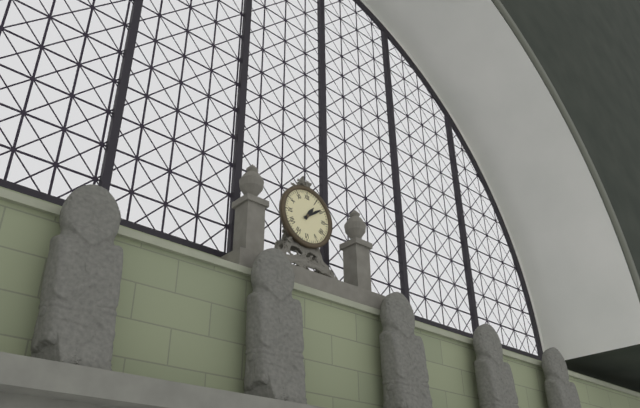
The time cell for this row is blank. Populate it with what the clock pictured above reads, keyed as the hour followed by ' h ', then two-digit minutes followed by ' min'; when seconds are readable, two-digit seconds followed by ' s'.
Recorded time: 1 h 09 min
